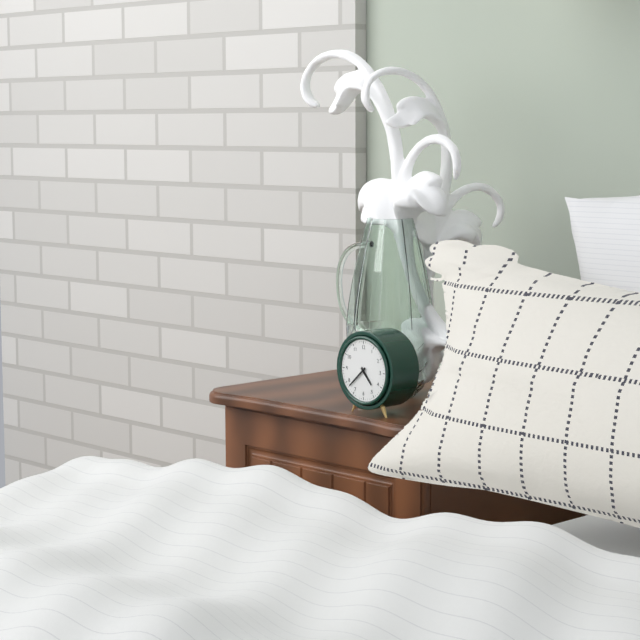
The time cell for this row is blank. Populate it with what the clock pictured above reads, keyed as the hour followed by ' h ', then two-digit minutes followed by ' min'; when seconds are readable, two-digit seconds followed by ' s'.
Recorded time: 4 h 38 min
